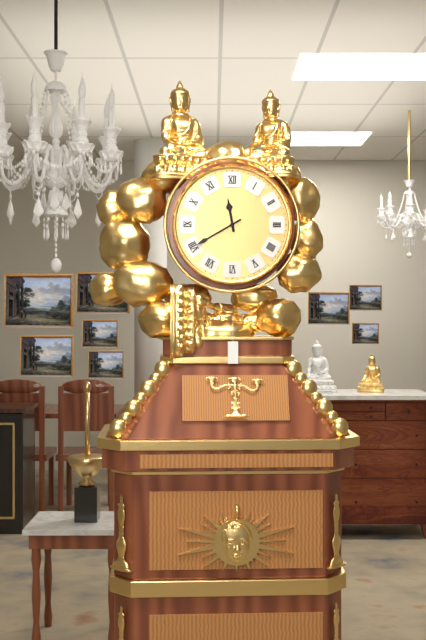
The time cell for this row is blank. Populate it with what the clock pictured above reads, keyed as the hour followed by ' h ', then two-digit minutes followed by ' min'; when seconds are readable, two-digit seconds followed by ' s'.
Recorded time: 11 h 40 min
